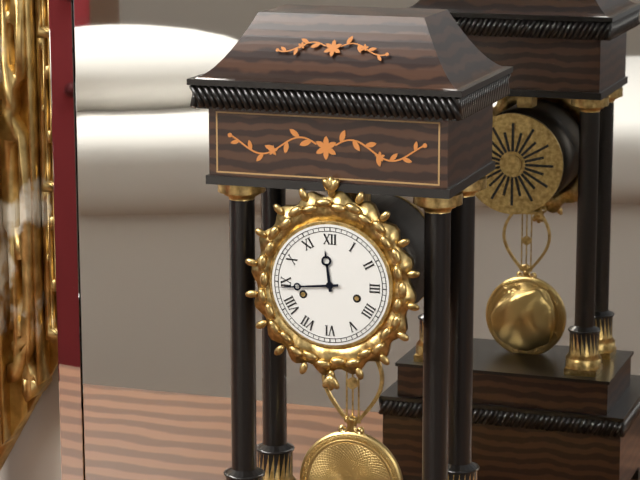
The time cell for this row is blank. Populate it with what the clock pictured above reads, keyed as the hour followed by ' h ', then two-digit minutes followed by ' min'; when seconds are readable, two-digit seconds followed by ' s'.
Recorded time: 11 h 44 min
